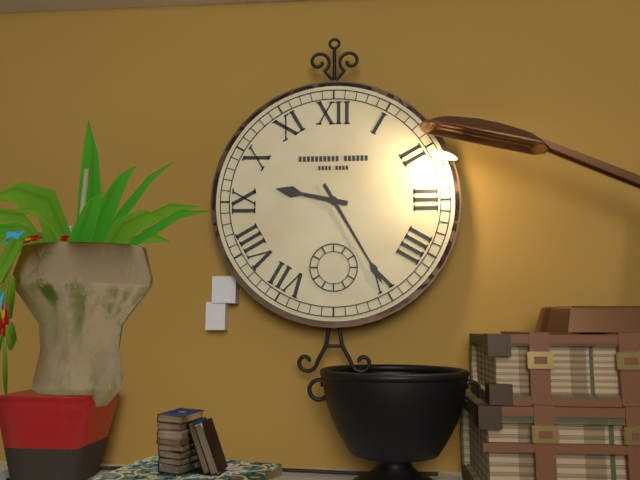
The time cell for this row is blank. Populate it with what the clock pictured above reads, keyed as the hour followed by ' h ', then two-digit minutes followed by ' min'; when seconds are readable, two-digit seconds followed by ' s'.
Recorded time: 9 h 25 min
